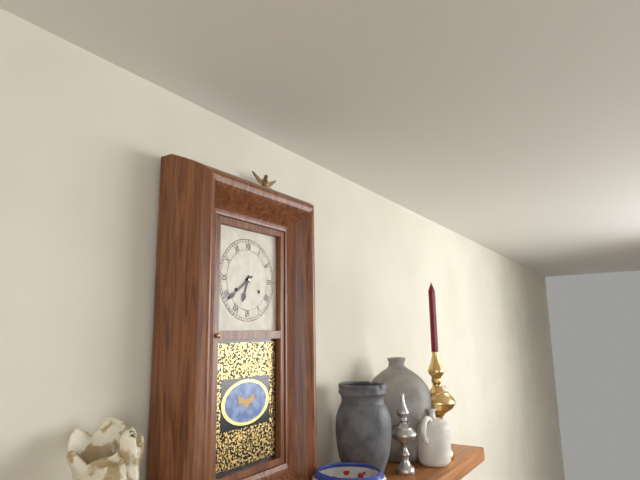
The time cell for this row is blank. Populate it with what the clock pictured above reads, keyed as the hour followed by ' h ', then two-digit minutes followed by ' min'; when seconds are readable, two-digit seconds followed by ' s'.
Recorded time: 6 h 39 min
